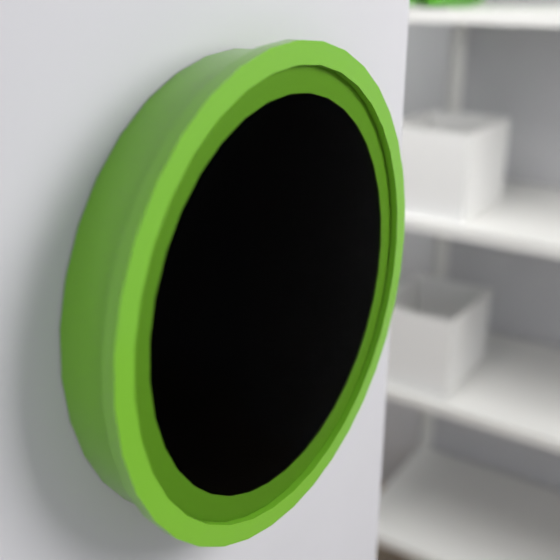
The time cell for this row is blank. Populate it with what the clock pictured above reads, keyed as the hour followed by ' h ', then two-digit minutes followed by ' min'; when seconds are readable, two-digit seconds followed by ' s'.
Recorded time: 10 h 07 min 55 s
